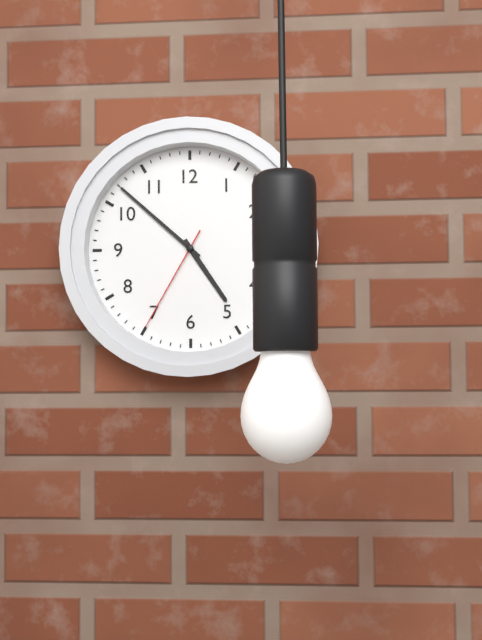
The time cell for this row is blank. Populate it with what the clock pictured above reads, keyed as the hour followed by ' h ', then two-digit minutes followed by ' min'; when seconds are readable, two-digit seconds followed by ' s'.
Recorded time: 4 h 52 min 35 s
